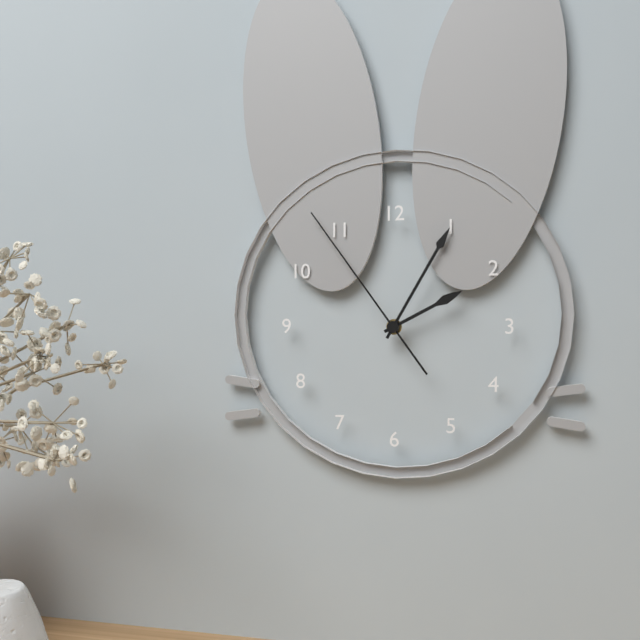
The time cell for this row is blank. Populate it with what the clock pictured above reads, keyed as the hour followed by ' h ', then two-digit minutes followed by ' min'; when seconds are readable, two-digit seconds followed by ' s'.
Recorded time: 2 h 05 min 54 s
